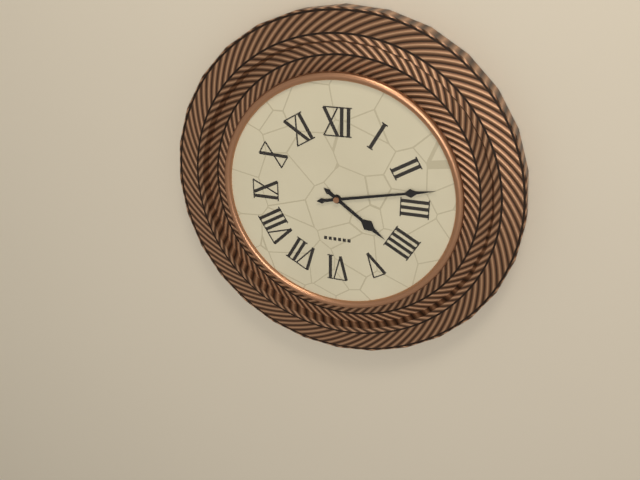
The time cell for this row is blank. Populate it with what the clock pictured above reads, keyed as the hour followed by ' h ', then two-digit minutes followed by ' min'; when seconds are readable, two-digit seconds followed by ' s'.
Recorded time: 4 h 13 min
